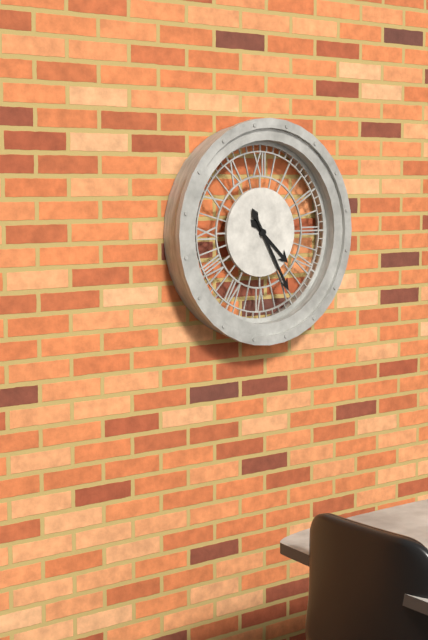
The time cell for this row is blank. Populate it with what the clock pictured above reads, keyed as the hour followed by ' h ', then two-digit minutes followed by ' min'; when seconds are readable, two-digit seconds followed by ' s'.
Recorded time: 4 h 25 min
